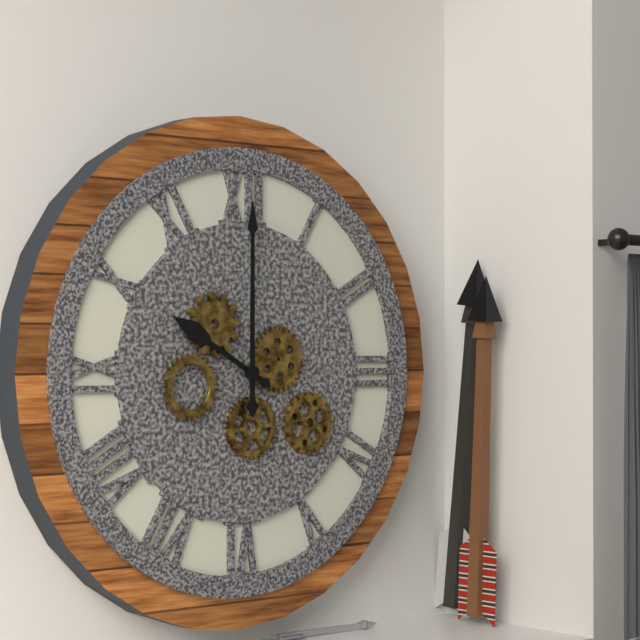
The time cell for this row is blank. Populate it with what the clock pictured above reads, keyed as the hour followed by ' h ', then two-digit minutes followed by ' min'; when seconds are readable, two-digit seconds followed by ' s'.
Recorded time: 10 h 00 min
